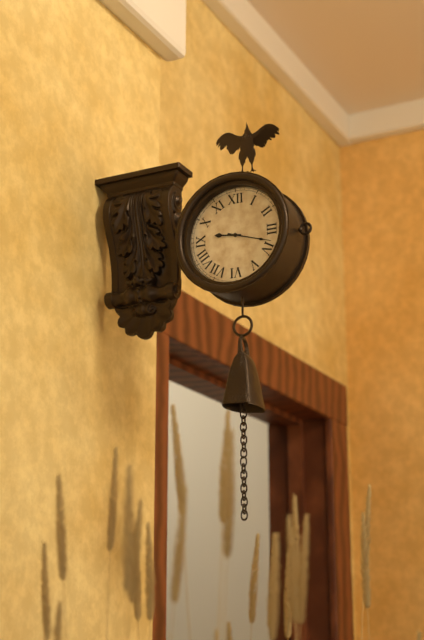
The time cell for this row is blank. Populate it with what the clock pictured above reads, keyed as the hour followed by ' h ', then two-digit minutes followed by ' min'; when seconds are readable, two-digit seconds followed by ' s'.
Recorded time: 9 h 18 min
